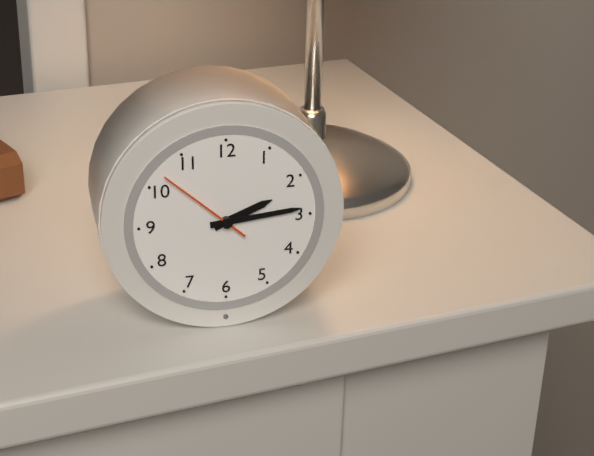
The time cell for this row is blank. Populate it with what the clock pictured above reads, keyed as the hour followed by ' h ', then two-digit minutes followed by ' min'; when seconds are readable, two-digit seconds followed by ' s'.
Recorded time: 2 h 14 min 52 s
